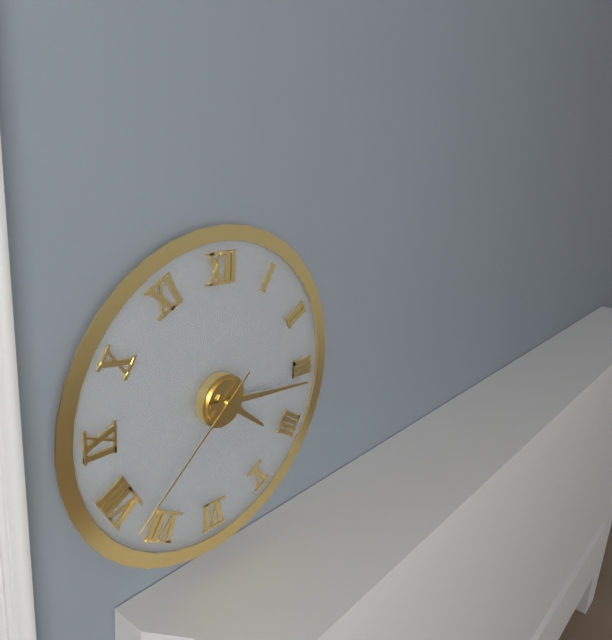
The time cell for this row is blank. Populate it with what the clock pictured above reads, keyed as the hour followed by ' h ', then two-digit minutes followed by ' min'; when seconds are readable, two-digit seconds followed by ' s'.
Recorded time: 4 h 16 min 38 s
